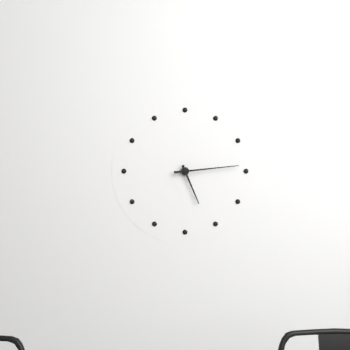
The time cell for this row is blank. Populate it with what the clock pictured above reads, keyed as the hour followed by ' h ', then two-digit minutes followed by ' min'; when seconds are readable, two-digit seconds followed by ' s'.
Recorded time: 5 h 14 min
